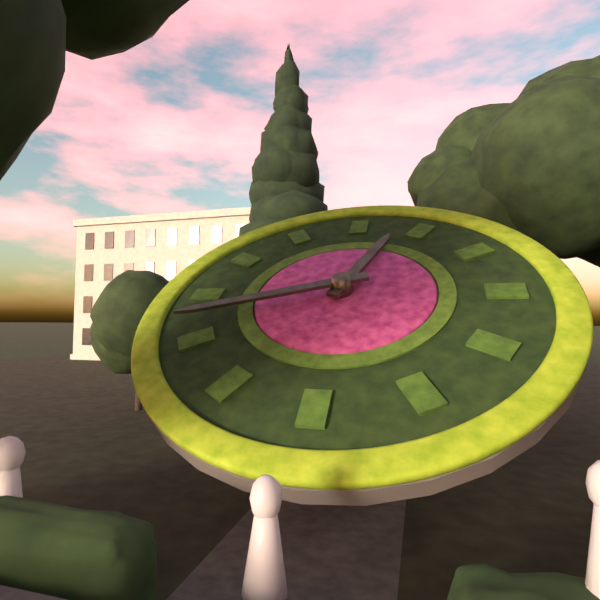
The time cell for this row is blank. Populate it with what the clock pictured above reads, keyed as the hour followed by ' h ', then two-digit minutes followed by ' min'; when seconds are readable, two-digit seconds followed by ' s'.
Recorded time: 12 h 42 min
